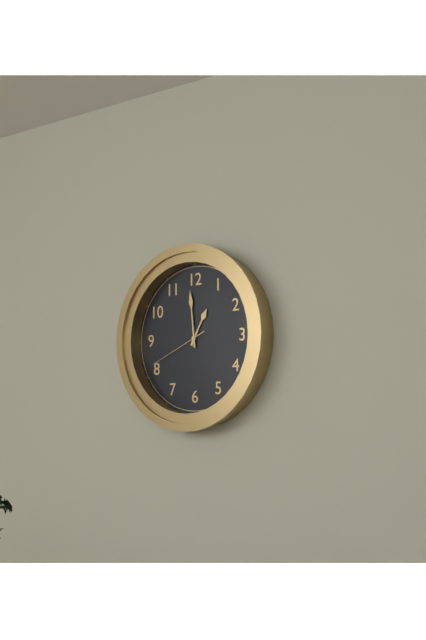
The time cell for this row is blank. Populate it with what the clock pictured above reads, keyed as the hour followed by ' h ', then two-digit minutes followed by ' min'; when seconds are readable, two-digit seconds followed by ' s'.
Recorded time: 12 h 59 min 41 s
